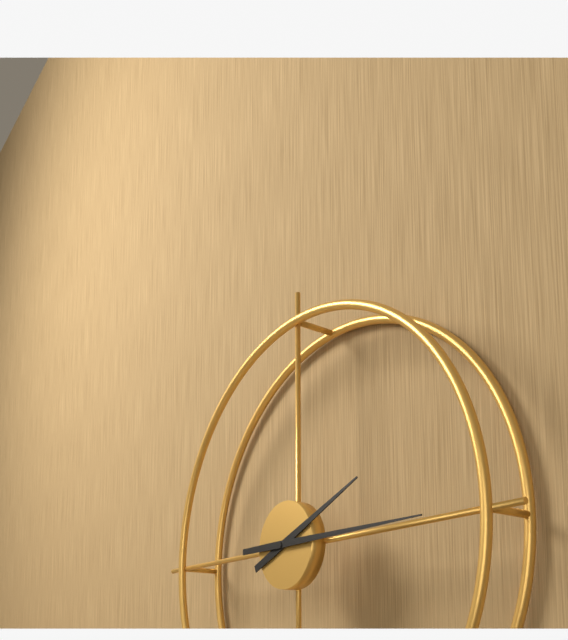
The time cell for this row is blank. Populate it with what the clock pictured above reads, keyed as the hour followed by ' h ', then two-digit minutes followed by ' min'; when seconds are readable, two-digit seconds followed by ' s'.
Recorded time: 2 h 15 min
